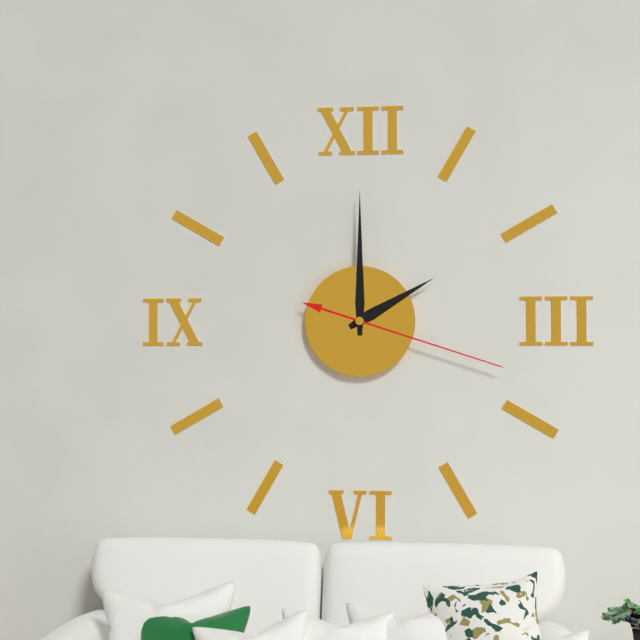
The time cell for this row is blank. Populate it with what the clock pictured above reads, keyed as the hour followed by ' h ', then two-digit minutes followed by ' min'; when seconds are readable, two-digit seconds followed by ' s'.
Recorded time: 2 h 00 min 18 s
